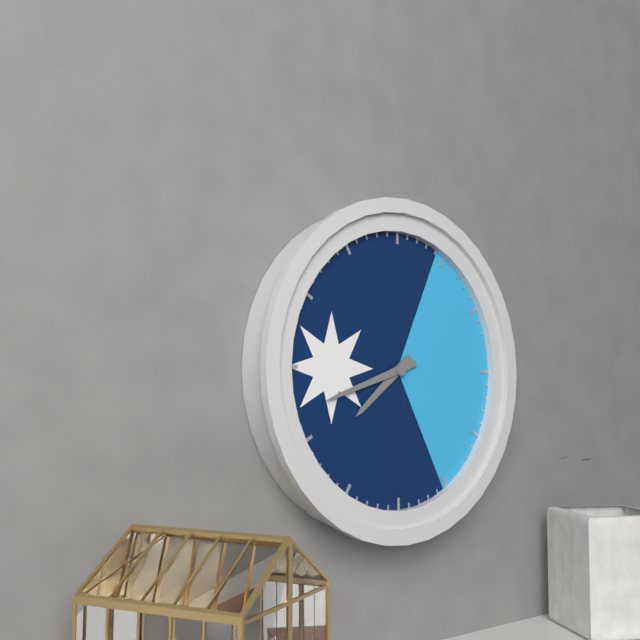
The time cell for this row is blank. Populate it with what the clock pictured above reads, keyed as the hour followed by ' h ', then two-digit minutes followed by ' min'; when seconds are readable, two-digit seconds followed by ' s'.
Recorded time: 7 h 42 min
